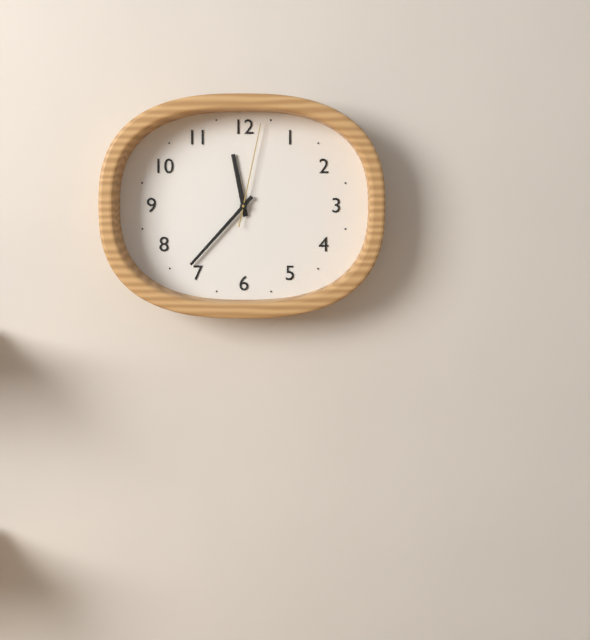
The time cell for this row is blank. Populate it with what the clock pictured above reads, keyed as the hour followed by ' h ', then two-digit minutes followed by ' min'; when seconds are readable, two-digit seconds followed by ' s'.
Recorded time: 11 h 37 min 02 s
